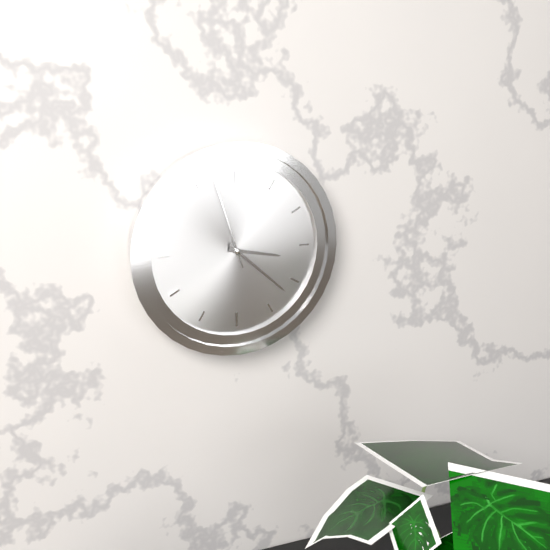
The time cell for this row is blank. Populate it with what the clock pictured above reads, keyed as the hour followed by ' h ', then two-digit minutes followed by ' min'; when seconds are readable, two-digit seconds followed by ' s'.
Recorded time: 3 h 22 min 57 s
